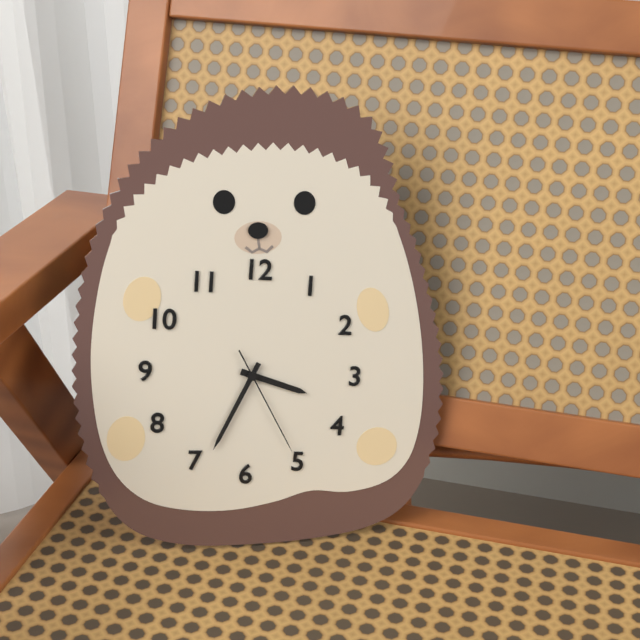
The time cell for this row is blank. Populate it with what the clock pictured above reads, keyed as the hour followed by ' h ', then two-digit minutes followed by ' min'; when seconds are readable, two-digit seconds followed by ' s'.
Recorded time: 3 h 34 min 25 s
